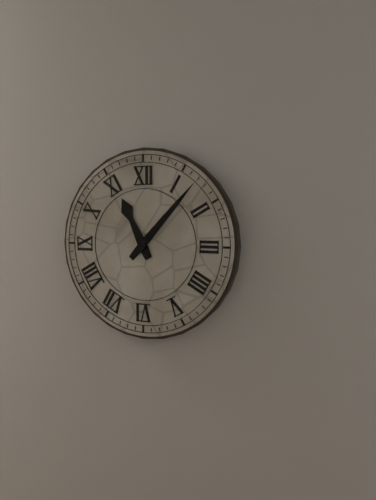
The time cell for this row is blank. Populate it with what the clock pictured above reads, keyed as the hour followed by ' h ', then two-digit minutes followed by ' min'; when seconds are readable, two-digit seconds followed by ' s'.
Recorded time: 11 h 07 min
